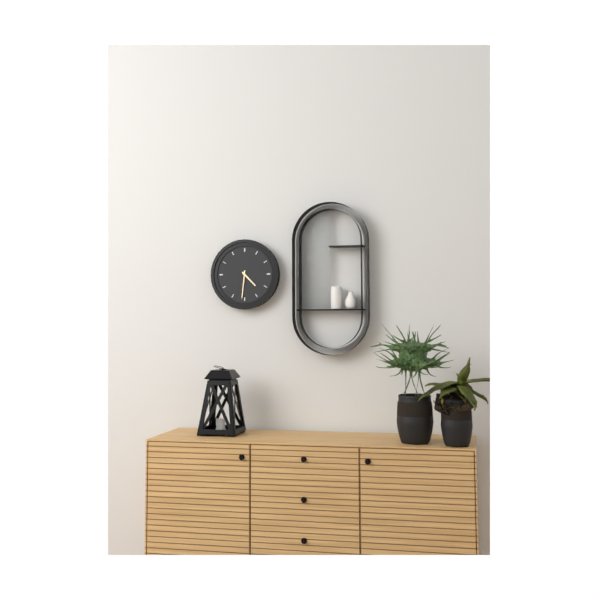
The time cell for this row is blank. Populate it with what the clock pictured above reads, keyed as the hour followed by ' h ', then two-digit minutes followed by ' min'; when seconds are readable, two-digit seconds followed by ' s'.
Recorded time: 4 h 31 min
